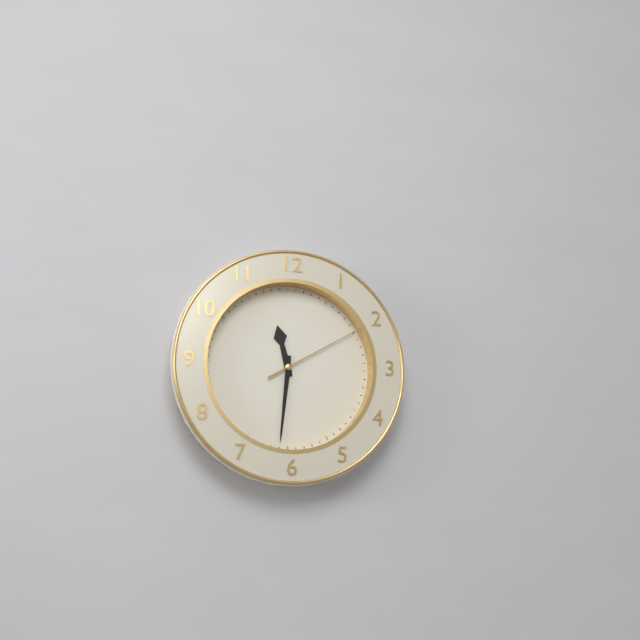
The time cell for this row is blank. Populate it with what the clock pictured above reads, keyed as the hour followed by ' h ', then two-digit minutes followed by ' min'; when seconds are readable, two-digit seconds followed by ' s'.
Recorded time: 11 h 31 min 10 s
